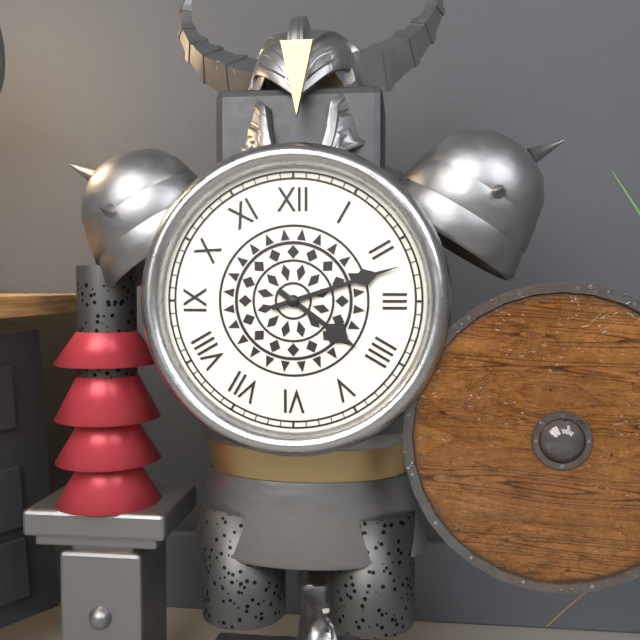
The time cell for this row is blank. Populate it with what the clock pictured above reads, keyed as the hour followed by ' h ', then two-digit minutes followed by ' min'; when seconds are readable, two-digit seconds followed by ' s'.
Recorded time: 4 h 12 min
